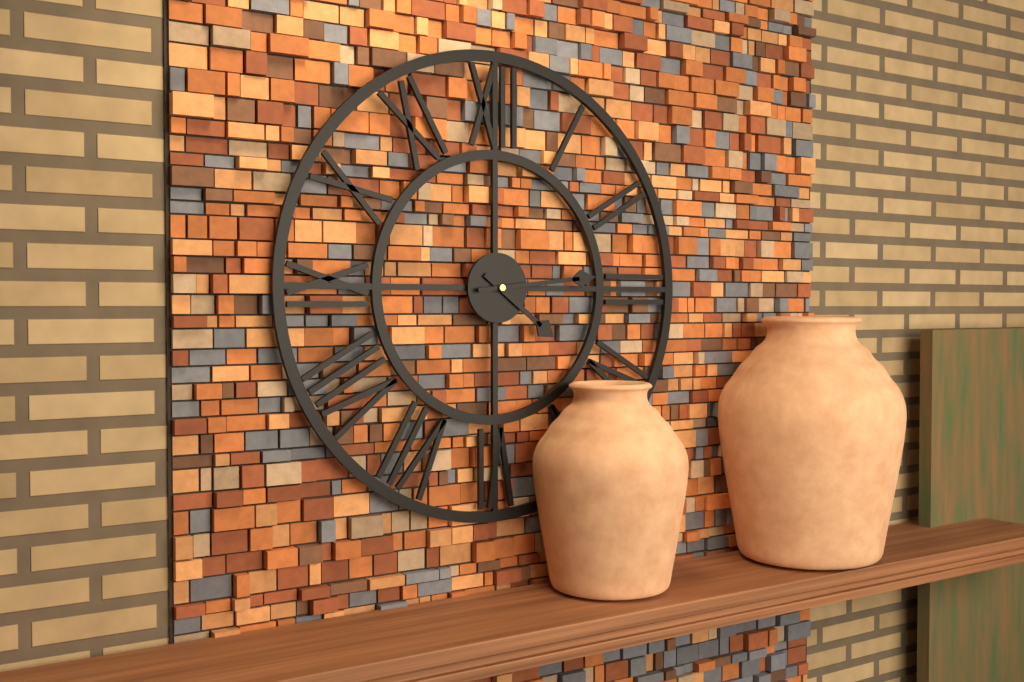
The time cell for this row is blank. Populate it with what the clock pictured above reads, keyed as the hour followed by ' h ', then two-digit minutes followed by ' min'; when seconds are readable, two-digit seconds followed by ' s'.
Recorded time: 4 h 14 min
